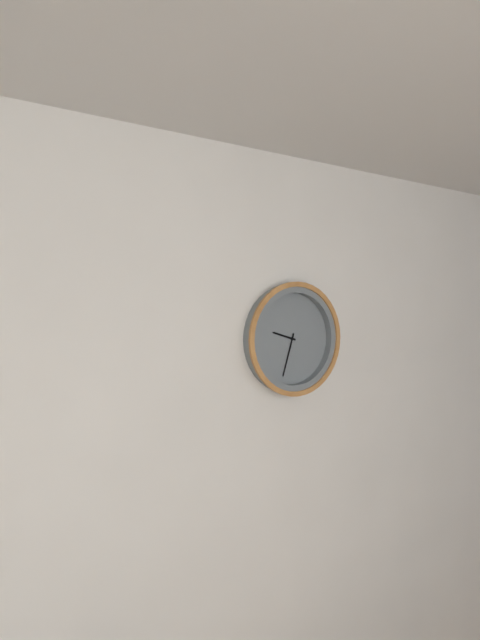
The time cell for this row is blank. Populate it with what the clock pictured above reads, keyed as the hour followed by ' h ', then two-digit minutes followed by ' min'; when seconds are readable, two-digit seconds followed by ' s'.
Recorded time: 9 h 33 min
